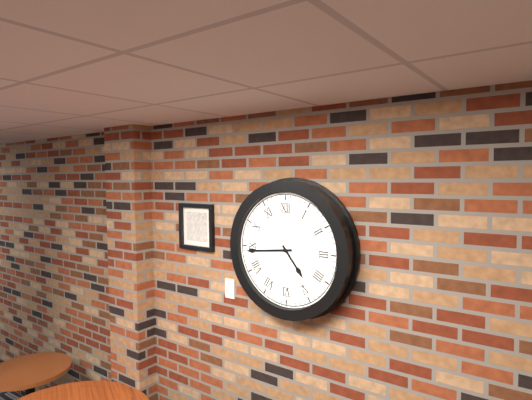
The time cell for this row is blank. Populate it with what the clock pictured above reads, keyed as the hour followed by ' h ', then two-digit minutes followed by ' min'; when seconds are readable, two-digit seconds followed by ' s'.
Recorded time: 4 h 44 min
